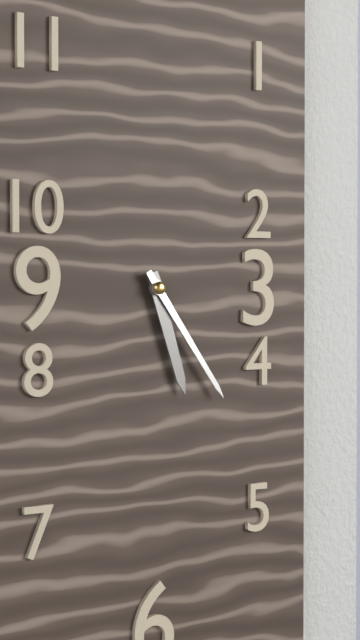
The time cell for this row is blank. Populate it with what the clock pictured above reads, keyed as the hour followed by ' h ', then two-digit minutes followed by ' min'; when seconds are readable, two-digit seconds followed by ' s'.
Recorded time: 5 h 24 min
